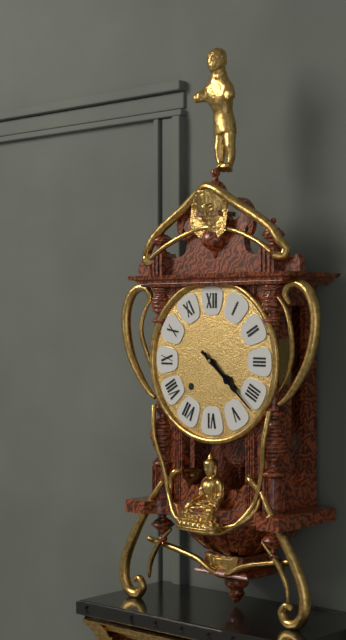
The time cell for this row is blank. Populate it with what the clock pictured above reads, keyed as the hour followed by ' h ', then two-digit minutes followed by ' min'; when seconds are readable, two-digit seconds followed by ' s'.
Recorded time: 4 h 22 min
